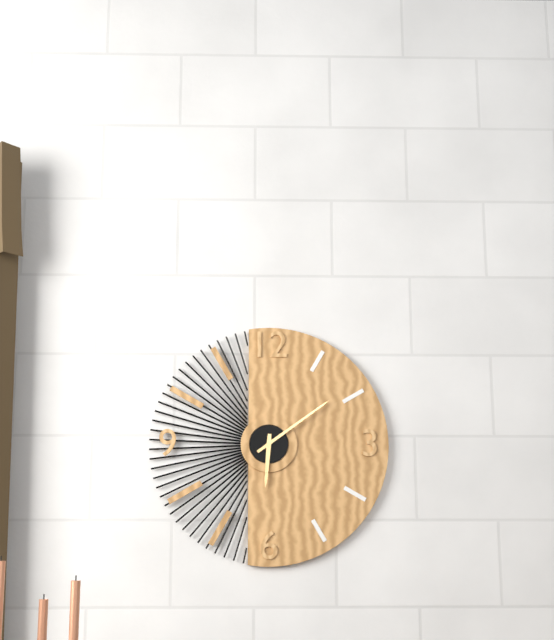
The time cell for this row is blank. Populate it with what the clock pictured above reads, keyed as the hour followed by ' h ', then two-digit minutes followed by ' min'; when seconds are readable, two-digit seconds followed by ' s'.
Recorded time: 6 h 09 min
